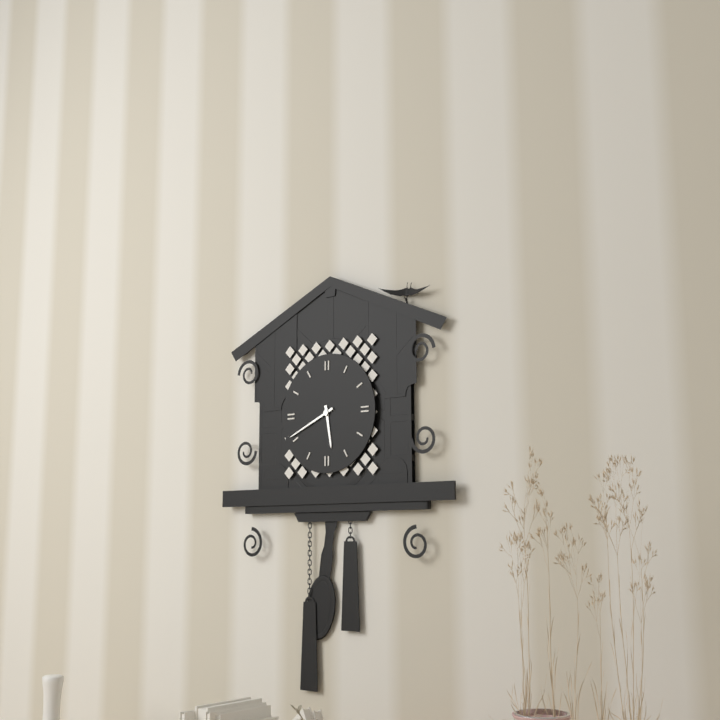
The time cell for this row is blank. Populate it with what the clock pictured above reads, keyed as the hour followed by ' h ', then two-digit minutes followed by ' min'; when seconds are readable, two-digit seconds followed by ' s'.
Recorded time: 5 h 41 min
